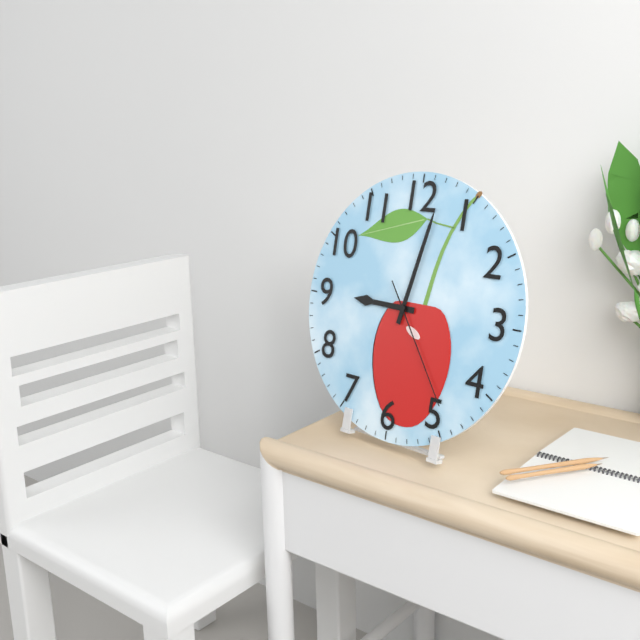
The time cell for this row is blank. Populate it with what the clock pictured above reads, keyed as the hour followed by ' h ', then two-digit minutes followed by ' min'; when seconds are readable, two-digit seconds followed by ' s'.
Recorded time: 9 h 02 min 24 s
